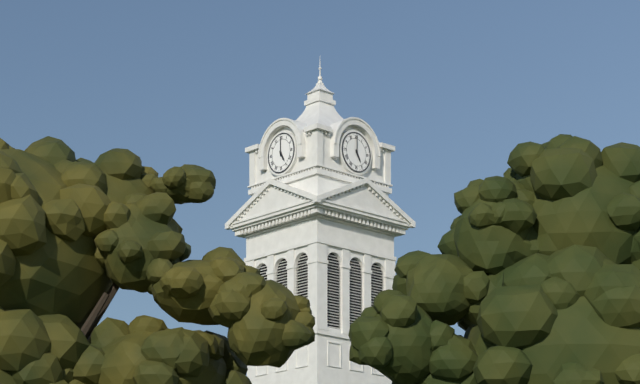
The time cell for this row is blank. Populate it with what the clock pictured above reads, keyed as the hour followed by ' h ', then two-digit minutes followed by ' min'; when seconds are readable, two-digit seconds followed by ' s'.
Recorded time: 5 h 00 min
